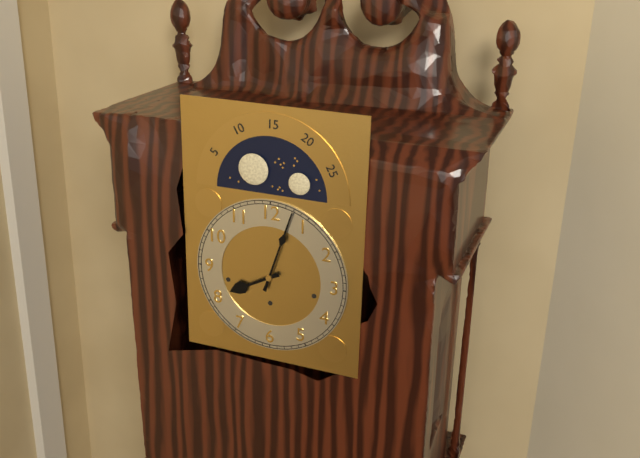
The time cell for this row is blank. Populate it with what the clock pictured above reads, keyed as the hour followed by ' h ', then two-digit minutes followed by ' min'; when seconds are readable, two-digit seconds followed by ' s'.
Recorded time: 8 h 03 min
